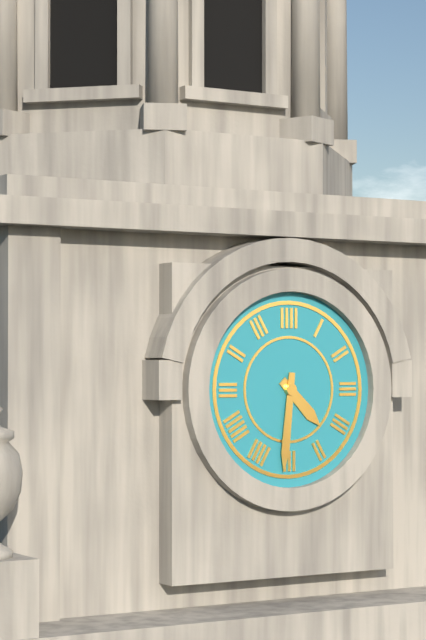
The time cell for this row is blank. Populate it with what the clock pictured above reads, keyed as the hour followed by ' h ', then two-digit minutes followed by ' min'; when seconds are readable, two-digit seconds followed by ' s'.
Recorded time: 4 h 31 min
